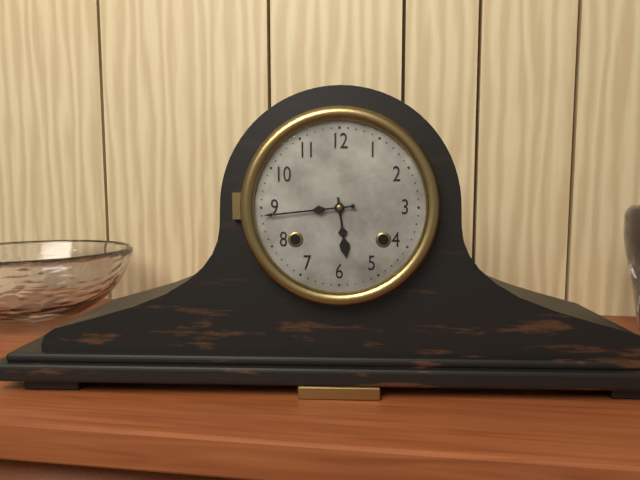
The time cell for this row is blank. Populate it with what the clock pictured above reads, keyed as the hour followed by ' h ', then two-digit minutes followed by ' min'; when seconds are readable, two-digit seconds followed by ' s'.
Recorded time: 5 h 44 min
